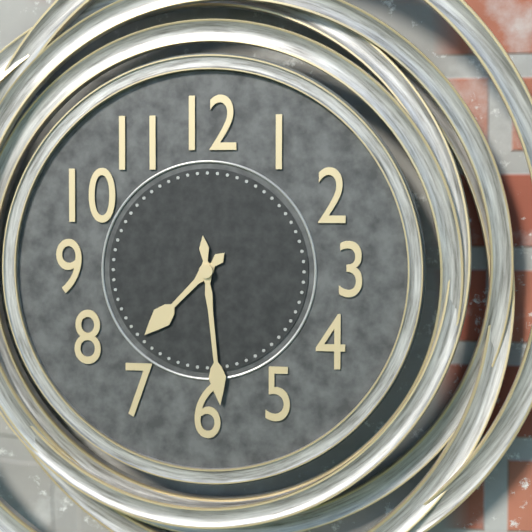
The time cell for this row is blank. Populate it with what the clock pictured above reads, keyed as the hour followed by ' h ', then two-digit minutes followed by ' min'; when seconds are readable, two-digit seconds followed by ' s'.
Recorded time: 7 h 29 min
